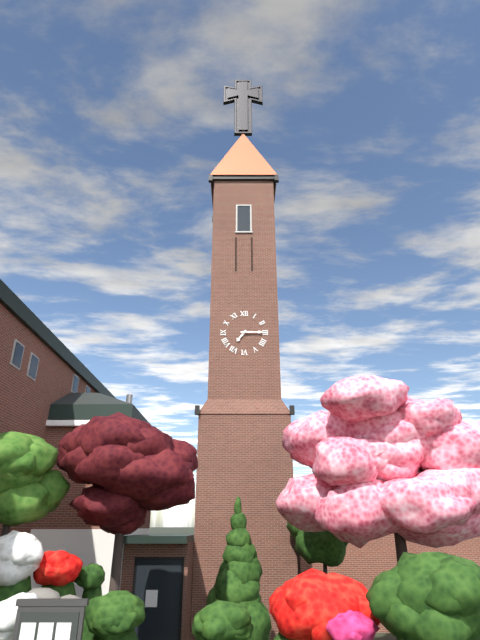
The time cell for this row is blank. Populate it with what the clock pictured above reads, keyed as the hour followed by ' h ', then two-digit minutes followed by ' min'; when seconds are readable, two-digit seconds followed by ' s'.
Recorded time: 7 h 15 min
